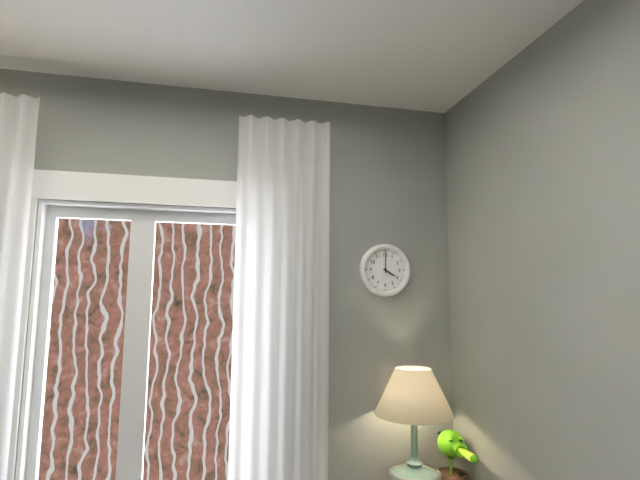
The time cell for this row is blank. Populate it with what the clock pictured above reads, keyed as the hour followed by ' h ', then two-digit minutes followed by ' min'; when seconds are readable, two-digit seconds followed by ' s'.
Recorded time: 4 h 00 min
